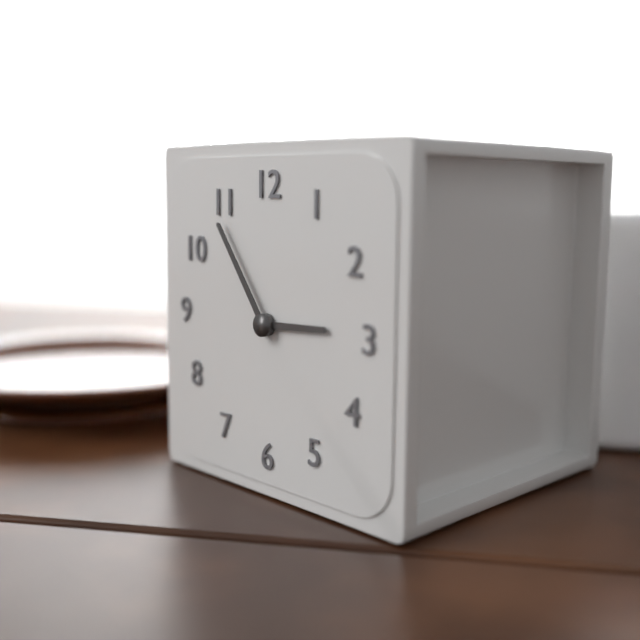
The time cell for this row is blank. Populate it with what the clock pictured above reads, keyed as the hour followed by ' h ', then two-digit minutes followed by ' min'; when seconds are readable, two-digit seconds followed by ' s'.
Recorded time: 2 h 54 min
